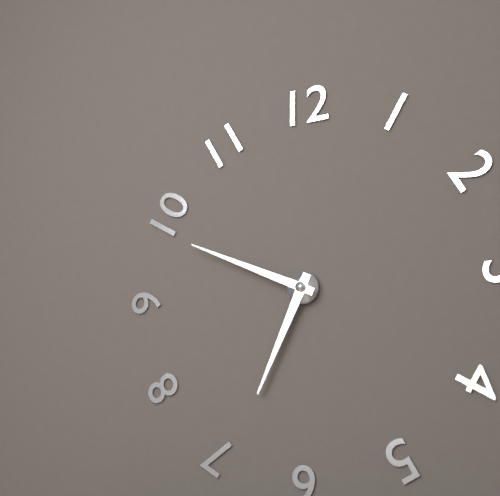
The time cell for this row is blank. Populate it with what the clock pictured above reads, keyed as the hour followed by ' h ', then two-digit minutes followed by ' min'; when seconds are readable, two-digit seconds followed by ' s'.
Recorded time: 6 h 49 min
